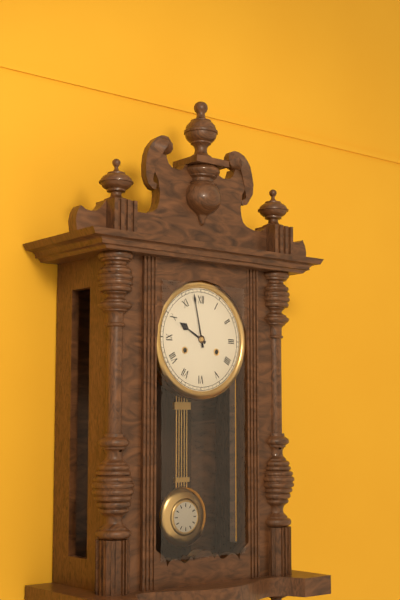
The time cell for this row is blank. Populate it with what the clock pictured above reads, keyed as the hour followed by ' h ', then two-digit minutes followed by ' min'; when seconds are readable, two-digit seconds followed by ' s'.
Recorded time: 9 h 58 min
